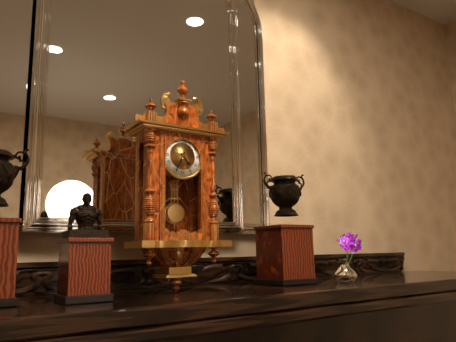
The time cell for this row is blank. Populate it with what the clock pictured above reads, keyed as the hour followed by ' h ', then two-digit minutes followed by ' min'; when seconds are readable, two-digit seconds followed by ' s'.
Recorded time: 4 h 34 min
